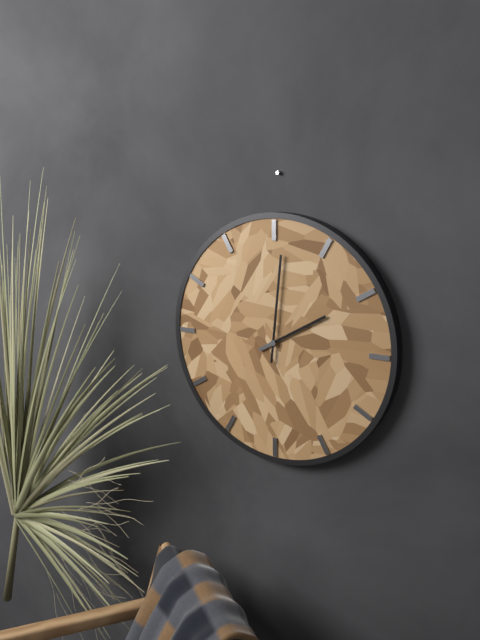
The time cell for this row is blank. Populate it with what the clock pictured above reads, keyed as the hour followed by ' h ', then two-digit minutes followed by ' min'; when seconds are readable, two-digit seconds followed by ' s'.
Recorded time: 2 h 01 min
